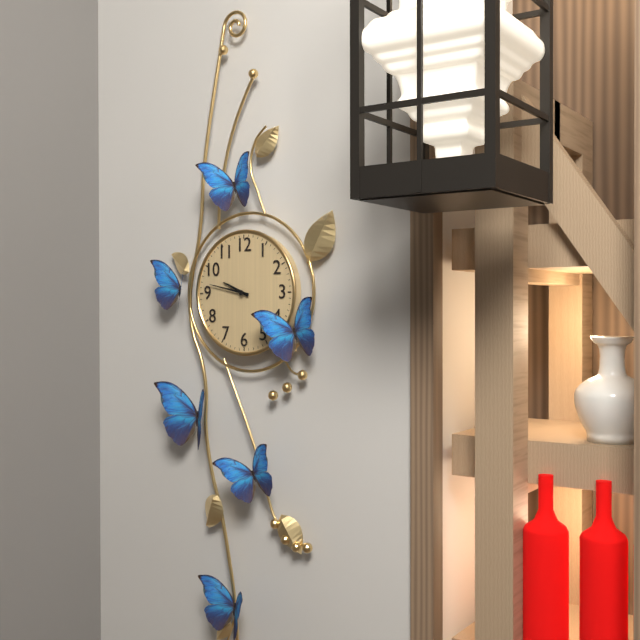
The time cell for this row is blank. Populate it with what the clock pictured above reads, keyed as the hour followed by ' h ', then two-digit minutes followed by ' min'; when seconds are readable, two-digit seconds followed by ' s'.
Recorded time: 9 h 47 min
